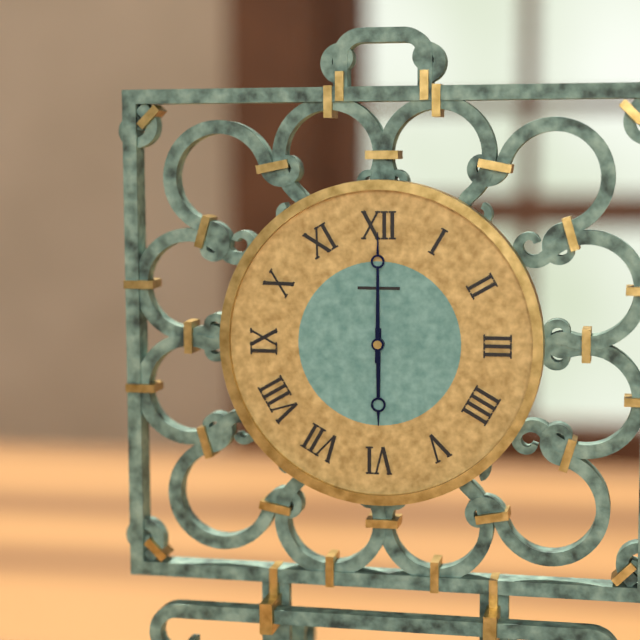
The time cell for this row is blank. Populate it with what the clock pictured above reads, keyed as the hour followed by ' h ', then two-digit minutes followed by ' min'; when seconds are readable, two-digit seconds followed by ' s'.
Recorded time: 6 h 00 min
